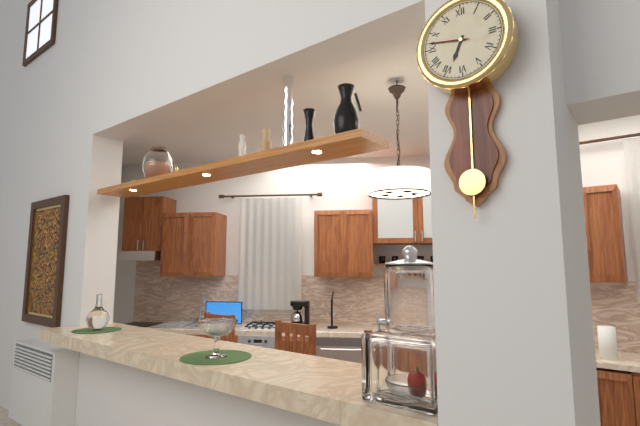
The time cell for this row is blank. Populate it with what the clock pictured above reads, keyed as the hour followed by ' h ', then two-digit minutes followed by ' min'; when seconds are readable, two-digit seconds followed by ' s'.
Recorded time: 6 h 47 min
